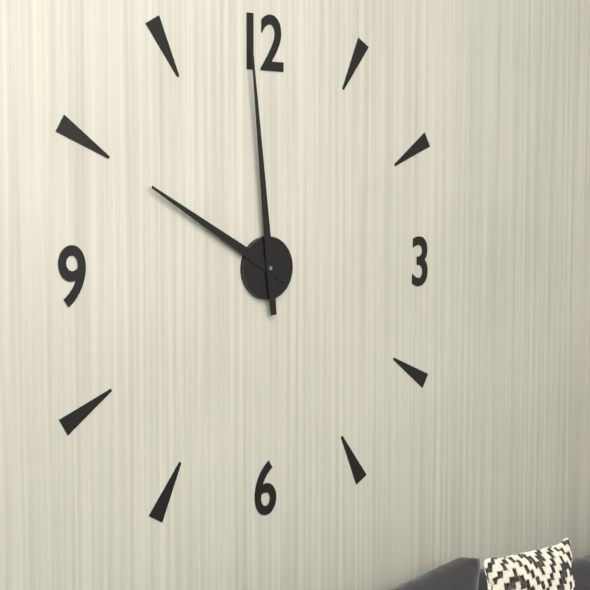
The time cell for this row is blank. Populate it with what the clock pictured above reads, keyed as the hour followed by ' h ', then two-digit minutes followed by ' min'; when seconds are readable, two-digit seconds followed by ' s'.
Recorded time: 9 h 59 min
